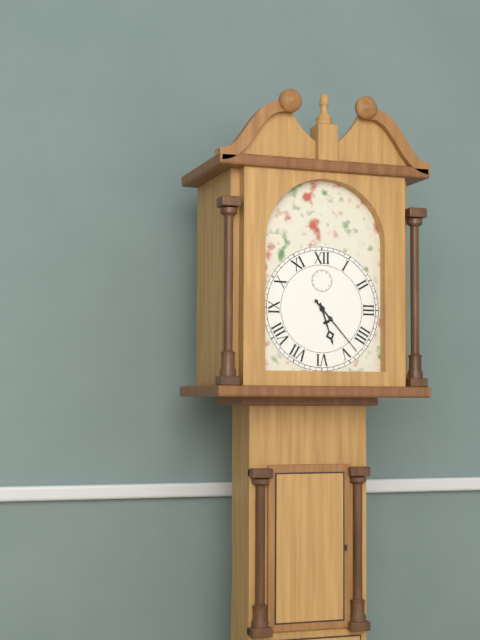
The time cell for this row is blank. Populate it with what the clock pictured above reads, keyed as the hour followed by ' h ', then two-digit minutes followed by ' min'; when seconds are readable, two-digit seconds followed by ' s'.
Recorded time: 5 h 23 min
